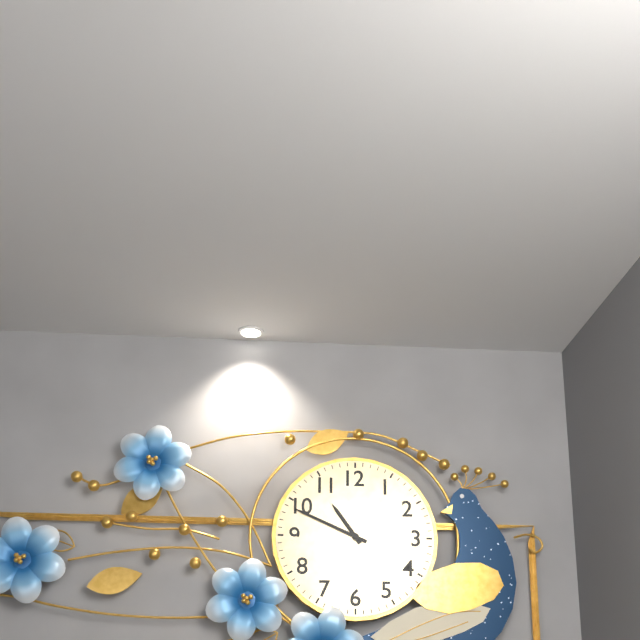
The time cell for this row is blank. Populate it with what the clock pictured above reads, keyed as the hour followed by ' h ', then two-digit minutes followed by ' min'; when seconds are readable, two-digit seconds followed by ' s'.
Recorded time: 10 h 49 min
